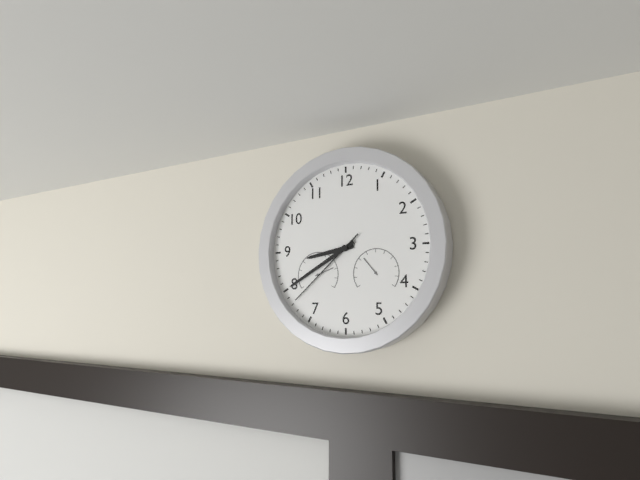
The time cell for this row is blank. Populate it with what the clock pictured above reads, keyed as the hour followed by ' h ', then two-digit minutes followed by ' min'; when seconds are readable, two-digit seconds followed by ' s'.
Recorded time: 8 h 40 min 38 s
